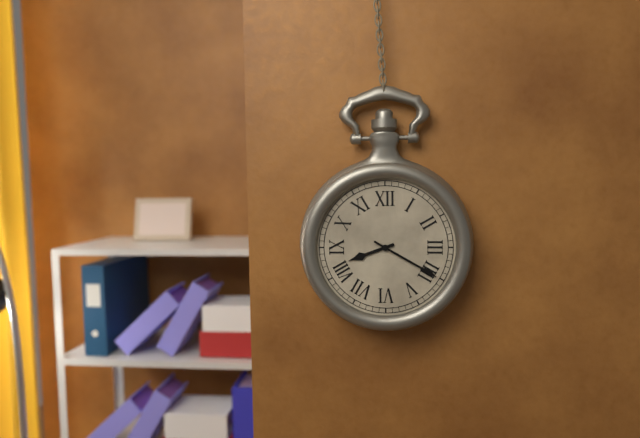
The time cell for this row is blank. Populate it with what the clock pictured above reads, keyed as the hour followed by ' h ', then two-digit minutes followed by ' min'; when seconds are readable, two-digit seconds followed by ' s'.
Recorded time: 8 h 20 min
